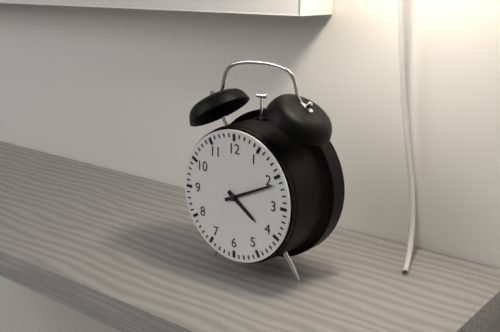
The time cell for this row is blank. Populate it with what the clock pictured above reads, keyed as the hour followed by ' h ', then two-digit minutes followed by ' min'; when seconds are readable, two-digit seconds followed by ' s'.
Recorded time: 4 h 11 min
